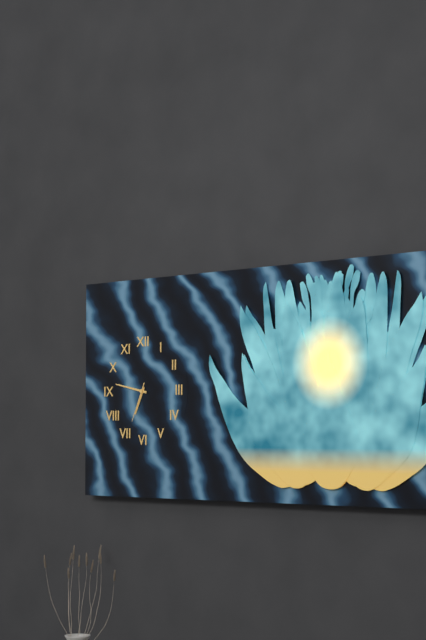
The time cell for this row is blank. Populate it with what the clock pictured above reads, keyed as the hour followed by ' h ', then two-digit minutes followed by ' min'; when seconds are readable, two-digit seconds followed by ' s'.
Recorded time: 6 h 47 min
